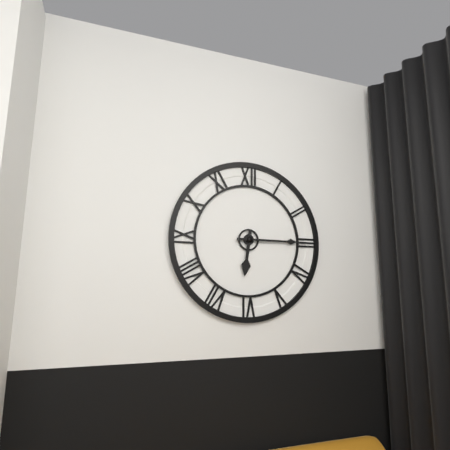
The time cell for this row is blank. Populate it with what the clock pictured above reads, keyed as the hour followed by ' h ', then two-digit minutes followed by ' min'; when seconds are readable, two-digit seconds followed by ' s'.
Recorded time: 6 h 15 min
